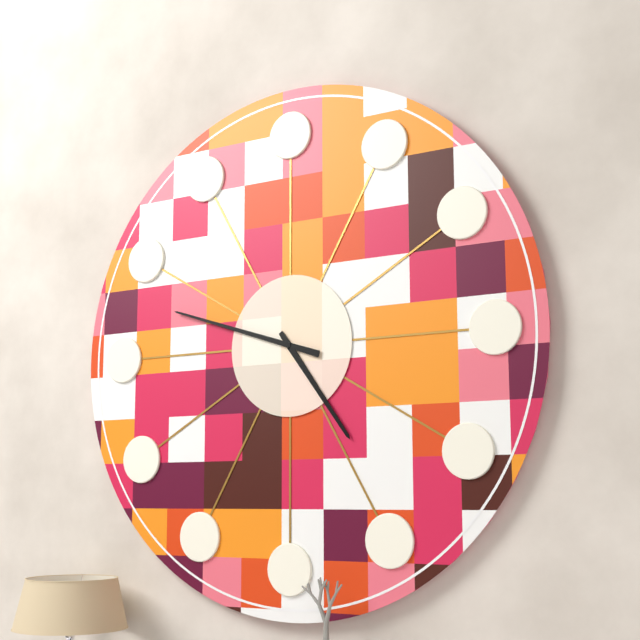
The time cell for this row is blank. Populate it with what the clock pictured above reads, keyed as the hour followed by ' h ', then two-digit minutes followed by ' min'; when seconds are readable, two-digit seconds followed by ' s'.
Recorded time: 4 h 48 min
